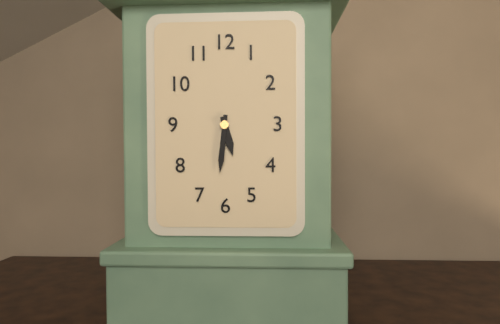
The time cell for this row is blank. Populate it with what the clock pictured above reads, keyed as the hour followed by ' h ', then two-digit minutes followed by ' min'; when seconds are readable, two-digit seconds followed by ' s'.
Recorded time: 5 h 31 min
